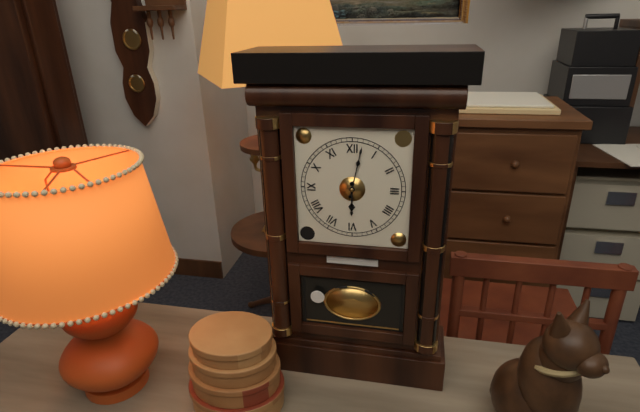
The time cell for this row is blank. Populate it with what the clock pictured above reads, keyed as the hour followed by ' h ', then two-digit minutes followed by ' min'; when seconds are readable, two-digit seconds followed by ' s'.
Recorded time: 6 h 02 min
